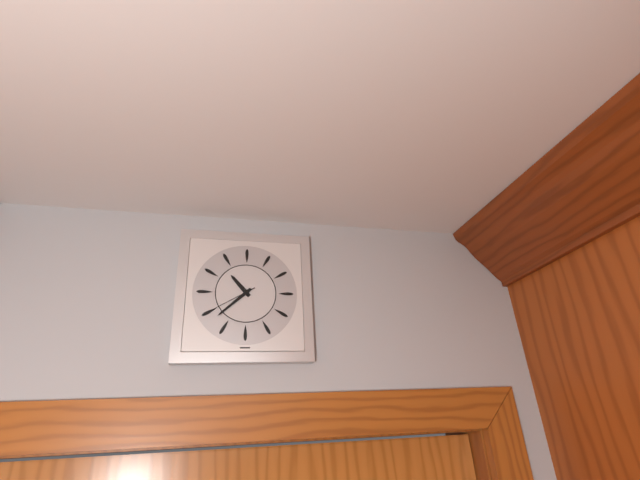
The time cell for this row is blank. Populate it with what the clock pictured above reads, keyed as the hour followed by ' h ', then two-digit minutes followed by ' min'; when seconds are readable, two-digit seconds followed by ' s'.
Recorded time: 10 h 38 min
